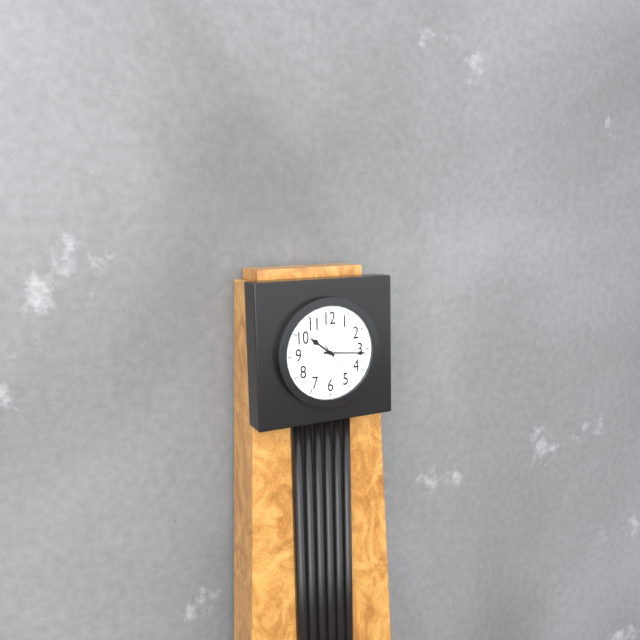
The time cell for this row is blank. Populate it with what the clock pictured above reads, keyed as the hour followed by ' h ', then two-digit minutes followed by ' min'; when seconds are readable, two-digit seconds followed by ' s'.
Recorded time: 10 h 16 min
